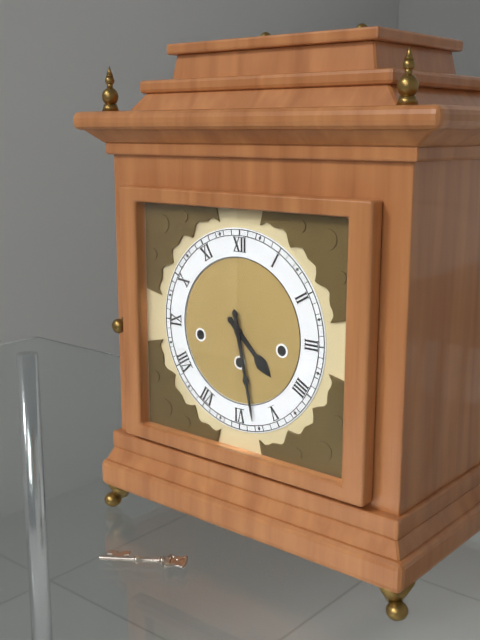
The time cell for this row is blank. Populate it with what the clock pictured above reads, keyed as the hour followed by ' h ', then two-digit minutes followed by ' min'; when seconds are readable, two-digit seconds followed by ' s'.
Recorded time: 4 h 28 min
